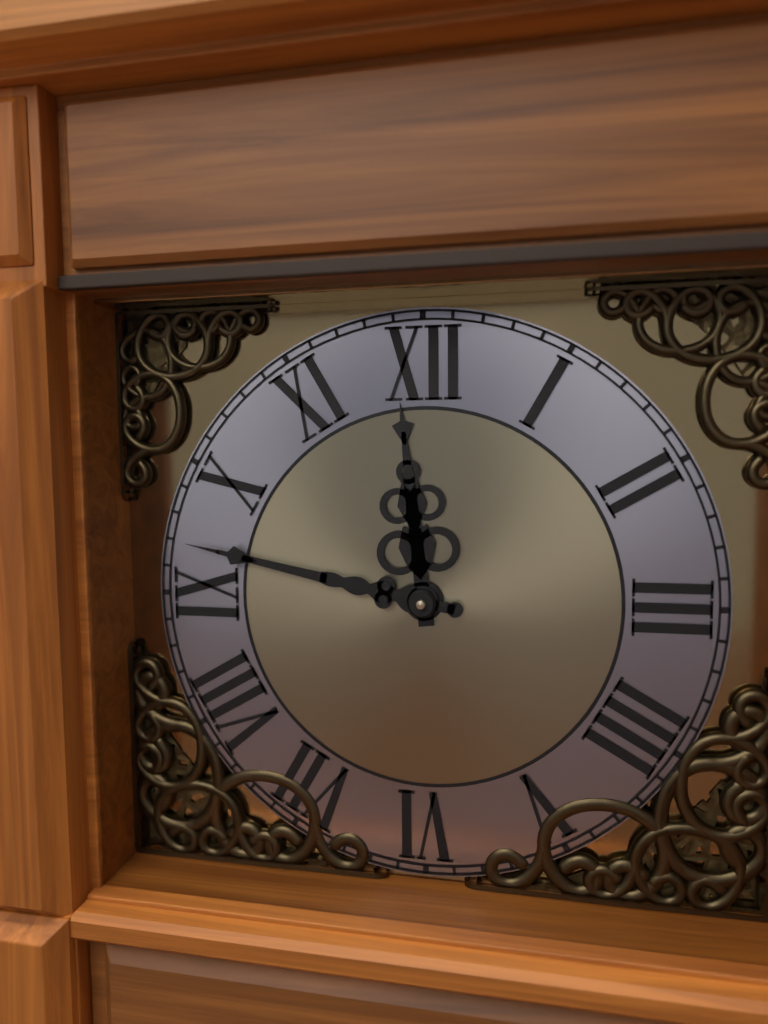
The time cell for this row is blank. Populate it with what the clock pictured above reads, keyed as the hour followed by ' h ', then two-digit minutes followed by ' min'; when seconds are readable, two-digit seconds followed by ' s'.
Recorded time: 11 h 47 min
